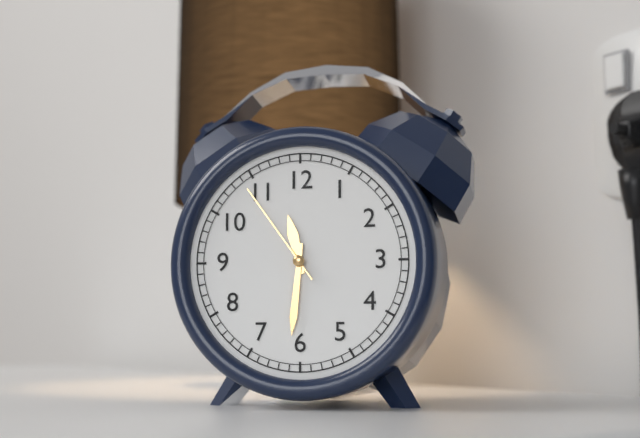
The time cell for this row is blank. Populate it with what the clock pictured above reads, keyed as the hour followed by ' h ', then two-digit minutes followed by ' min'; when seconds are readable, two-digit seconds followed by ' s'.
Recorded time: 11 h 31 min 54 s
